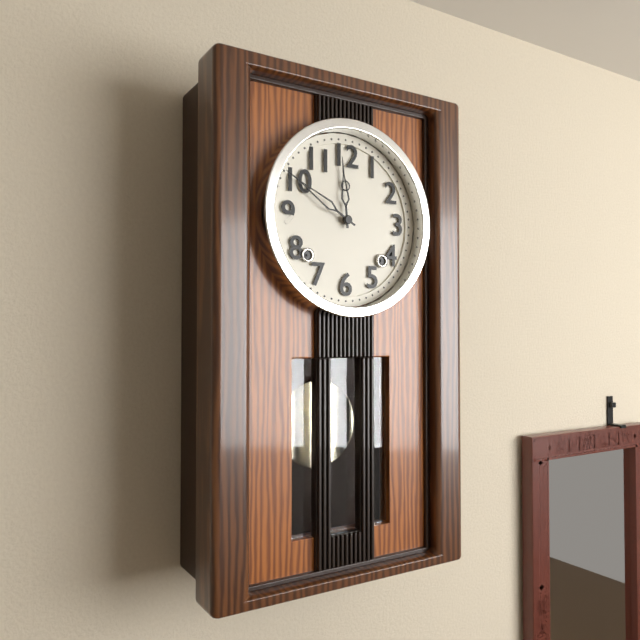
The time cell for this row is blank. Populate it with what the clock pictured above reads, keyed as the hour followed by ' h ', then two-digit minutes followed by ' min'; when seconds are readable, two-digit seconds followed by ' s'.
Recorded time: 11 h 50 min
